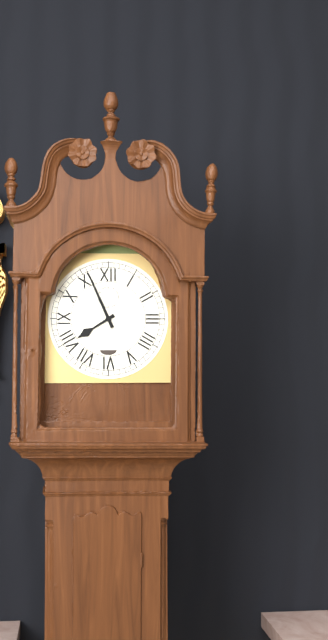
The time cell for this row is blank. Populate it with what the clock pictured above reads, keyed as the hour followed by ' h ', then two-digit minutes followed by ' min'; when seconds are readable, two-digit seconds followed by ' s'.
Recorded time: 7 h 56 min
